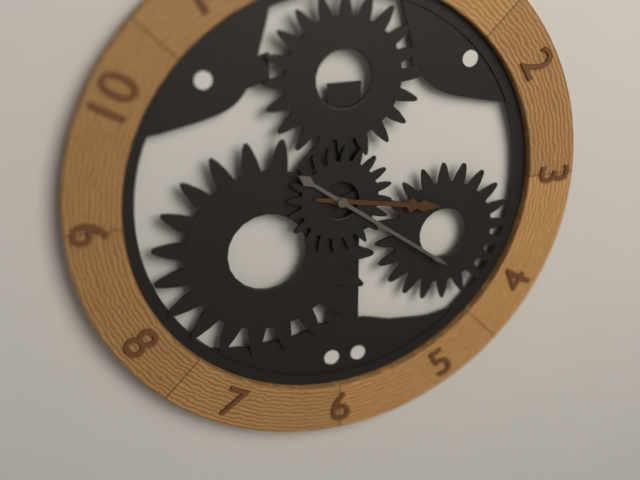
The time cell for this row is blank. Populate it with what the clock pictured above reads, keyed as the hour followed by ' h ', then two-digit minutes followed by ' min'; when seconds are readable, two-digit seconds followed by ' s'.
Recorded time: 3 h 21 min
